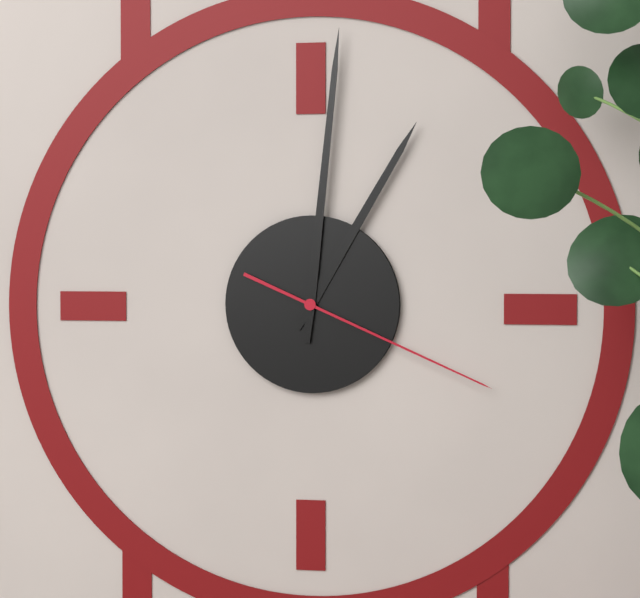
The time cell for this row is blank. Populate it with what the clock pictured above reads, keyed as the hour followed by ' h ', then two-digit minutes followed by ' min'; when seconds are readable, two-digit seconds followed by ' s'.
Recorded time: 1 h 01 min 19 s
